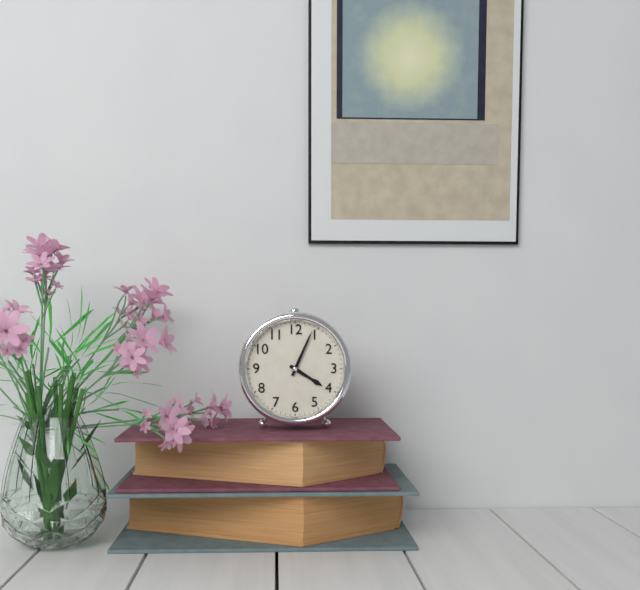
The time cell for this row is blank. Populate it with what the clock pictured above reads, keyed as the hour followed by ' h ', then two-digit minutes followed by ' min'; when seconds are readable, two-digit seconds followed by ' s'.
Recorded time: 4 h 04 min
